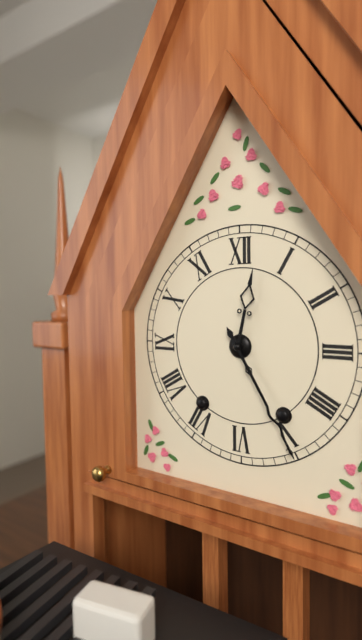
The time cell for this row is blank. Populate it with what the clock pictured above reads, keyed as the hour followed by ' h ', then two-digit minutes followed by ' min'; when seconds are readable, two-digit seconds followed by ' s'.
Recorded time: 12 h 25 min
